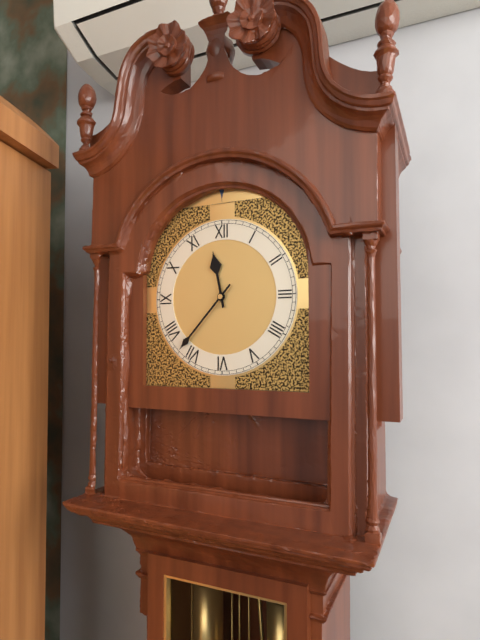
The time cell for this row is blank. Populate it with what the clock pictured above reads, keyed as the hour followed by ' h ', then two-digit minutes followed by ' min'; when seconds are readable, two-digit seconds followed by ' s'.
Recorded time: 11 h 37 min
